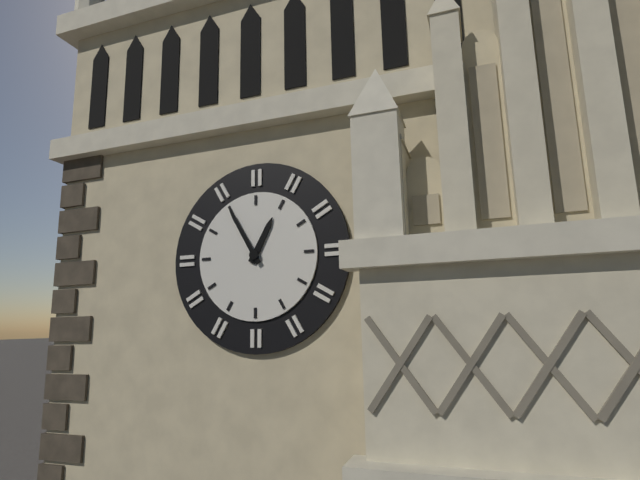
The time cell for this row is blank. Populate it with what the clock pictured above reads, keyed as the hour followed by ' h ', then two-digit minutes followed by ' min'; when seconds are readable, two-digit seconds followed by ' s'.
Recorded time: 12 h 55 min
